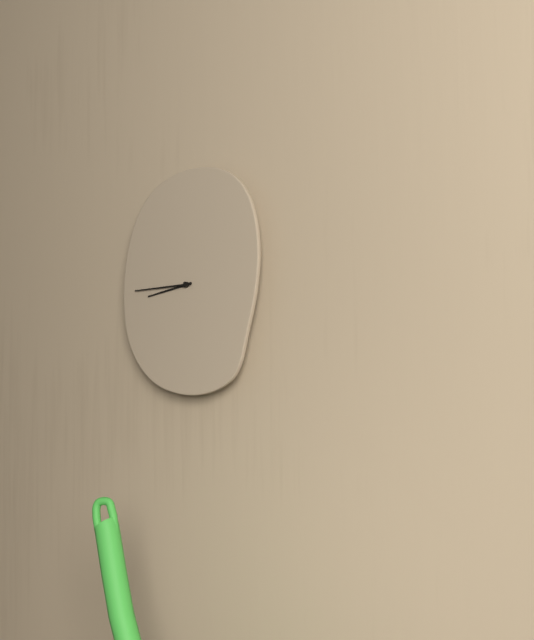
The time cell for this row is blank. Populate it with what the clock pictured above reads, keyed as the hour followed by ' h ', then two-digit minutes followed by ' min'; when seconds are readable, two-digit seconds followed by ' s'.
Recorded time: 8 h 45 min
